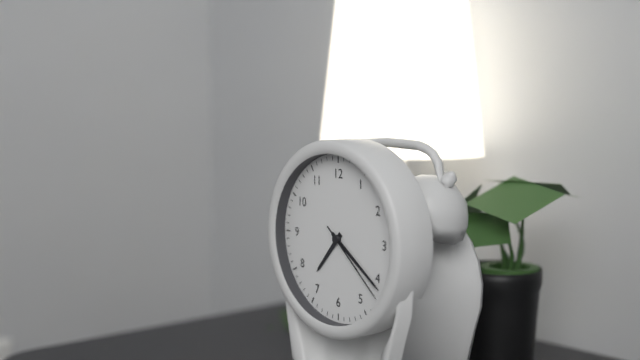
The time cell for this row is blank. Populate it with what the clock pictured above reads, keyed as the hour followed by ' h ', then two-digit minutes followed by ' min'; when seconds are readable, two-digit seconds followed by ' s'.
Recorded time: 7 h 21 min 22 s
